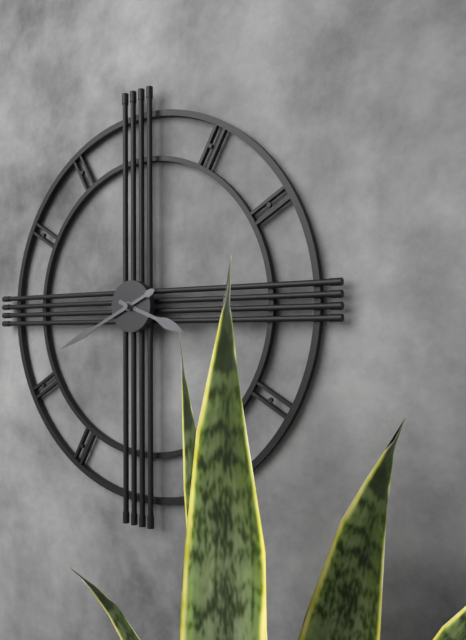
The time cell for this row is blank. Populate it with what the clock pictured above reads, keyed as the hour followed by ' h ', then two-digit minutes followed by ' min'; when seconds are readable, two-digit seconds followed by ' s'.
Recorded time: 3 h 41 min
